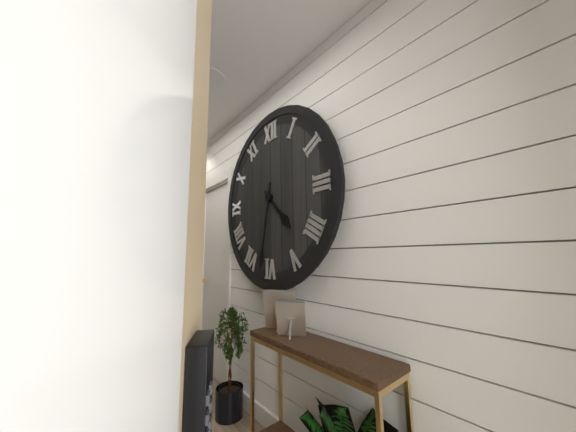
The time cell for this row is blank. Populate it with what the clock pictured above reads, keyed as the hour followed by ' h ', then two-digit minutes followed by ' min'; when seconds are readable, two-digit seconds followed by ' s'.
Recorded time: 4 h 32 min
